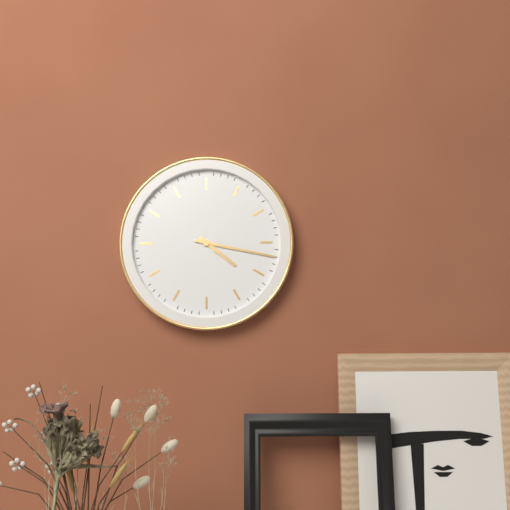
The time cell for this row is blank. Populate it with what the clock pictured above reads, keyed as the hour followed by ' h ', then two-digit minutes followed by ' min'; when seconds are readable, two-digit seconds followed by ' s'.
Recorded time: 4 h 17 min
